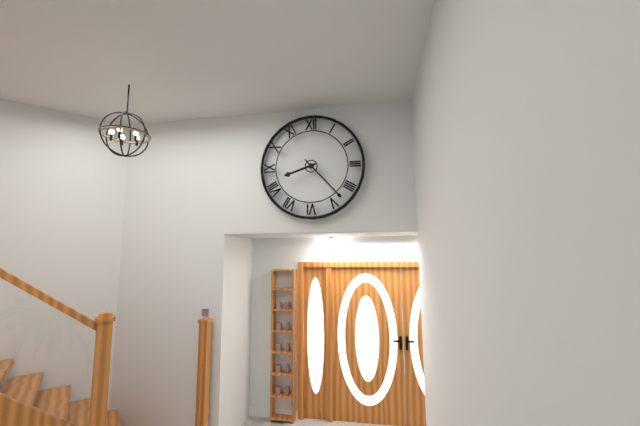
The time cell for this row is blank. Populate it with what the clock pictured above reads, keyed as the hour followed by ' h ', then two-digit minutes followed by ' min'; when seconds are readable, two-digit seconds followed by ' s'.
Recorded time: 8 h 23 min
